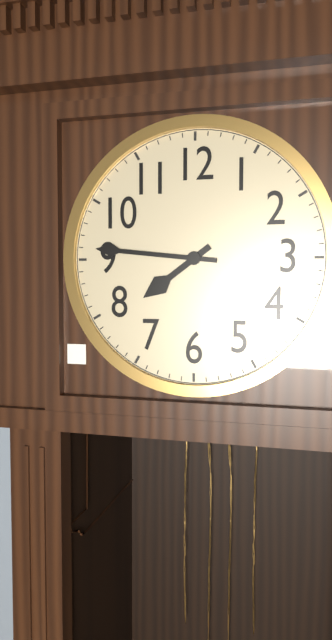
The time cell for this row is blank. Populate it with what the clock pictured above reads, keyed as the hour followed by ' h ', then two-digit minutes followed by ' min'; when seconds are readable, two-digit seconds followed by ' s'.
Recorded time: 7 h 46 min
